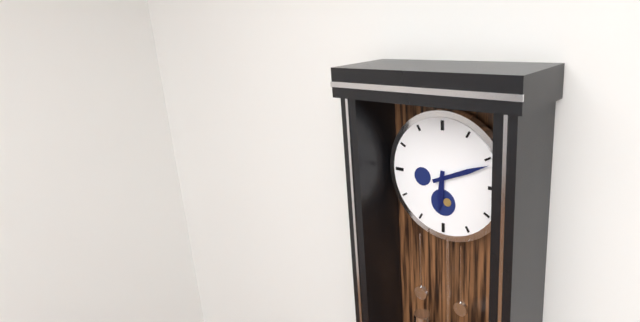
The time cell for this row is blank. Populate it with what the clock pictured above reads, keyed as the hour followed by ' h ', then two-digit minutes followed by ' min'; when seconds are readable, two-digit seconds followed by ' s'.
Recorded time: 6 h 11 min
